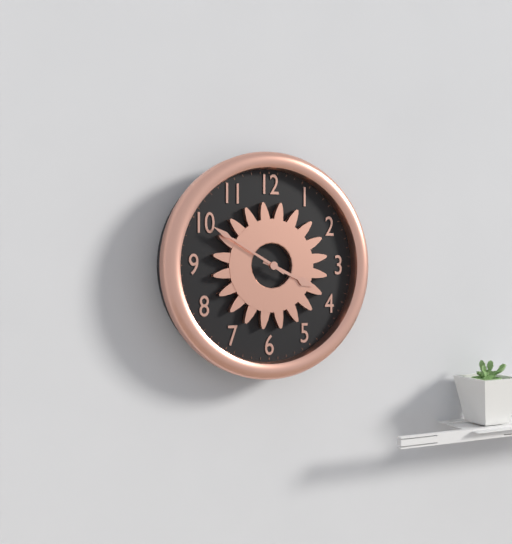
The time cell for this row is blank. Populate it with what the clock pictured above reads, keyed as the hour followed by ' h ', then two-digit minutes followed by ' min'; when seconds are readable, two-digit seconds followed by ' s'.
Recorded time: 3 h 50 min
